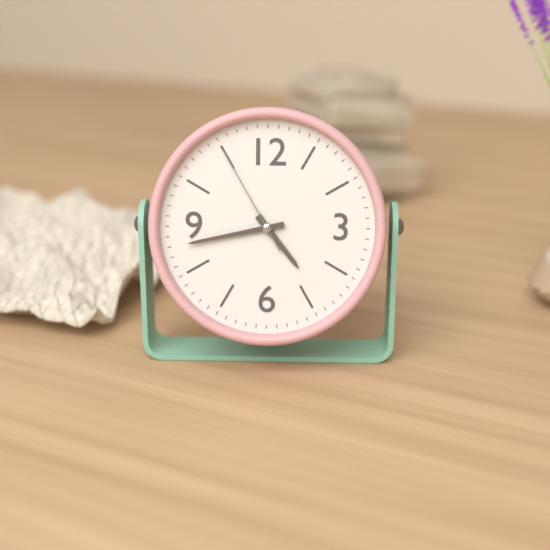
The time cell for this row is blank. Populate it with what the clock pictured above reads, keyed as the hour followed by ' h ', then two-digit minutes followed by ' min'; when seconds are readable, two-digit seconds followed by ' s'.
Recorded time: 4 h 43 min 55 s
